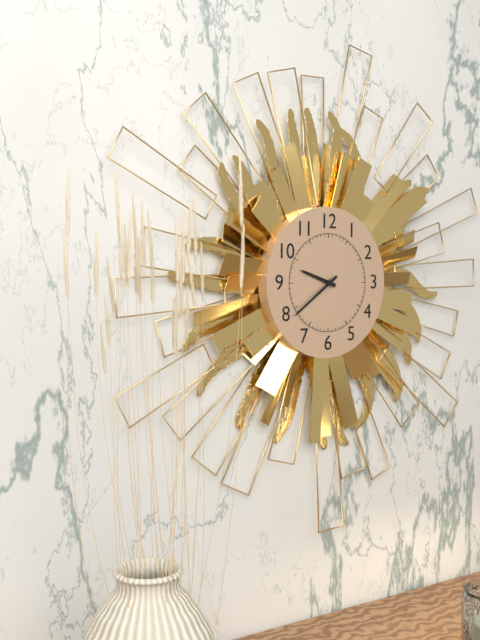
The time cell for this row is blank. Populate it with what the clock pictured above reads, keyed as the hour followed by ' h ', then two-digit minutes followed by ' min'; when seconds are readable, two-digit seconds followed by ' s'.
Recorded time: 9 h 39 min
